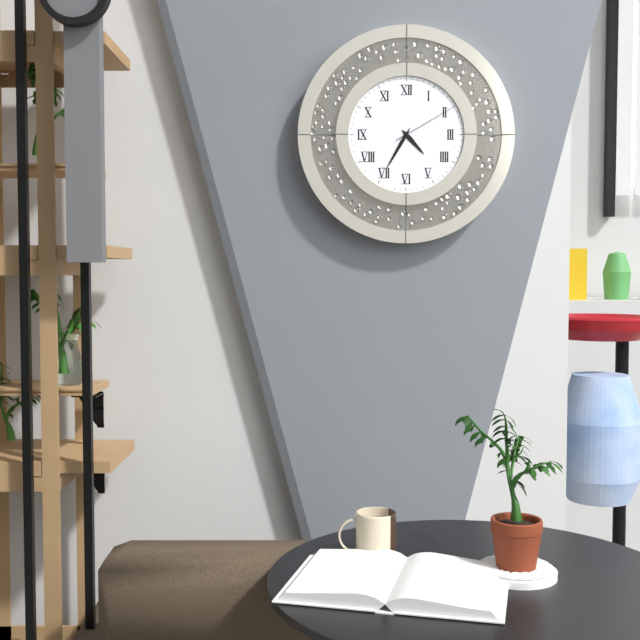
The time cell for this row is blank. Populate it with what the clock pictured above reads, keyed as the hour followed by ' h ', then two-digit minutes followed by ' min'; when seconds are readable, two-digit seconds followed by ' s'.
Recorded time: 4 h 35 min 10 s
